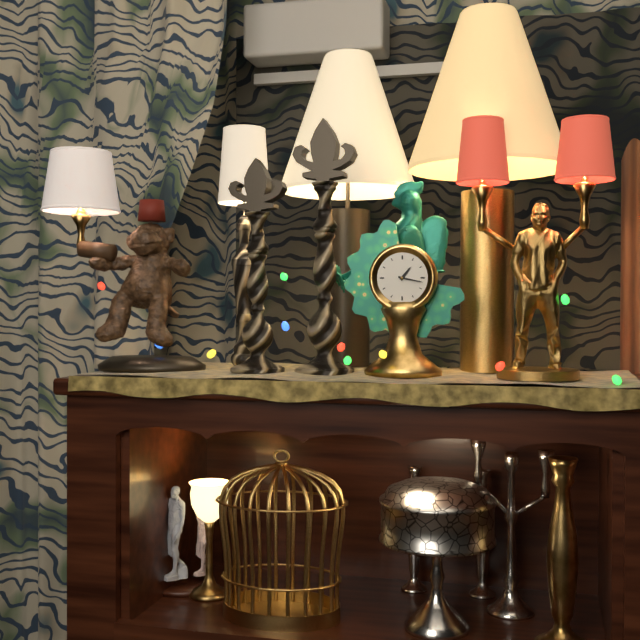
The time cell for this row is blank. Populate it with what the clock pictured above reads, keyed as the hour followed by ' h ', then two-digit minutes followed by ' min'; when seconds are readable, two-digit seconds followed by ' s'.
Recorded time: 1 h 17 min
